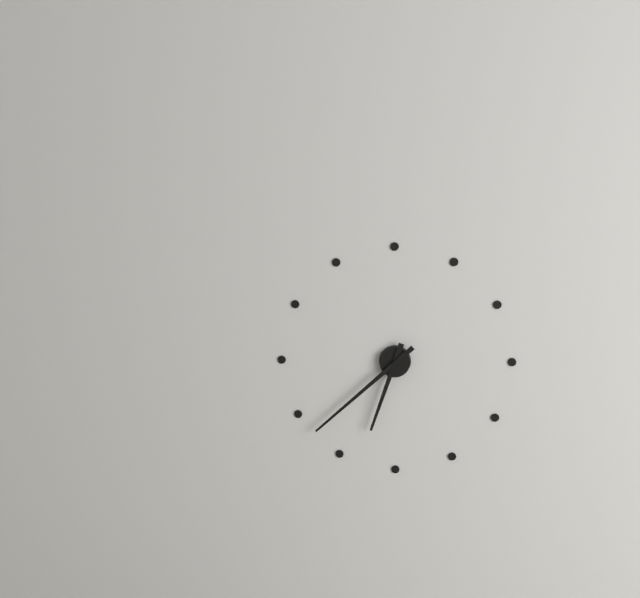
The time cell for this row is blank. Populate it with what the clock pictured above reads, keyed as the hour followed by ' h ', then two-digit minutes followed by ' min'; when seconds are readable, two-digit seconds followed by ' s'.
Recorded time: 6 h 38 min
